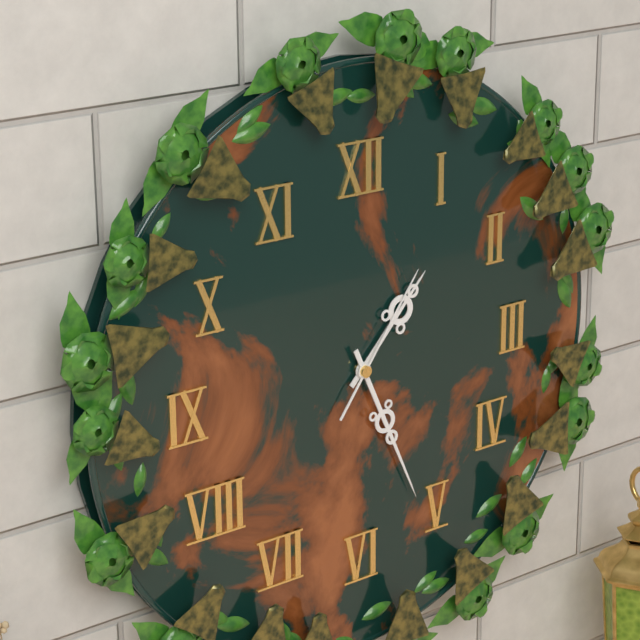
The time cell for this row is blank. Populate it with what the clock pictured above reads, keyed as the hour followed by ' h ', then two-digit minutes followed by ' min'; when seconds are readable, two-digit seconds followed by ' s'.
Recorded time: 1 h 26 min 06 s
